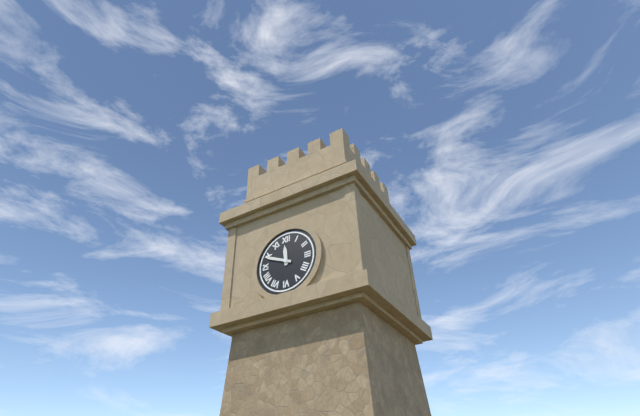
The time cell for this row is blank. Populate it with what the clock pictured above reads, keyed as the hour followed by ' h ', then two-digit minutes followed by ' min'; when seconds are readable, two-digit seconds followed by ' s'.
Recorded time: 11 h 49 min
